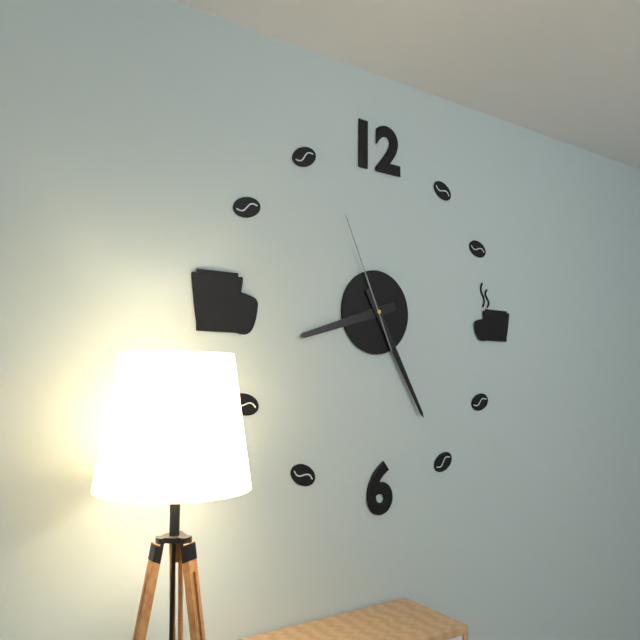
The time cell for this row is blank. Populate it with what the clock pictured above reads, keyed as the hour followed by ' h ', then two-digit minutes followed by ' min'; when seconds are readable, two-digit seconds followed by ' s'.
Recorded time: 8 h 25 min 56 s
